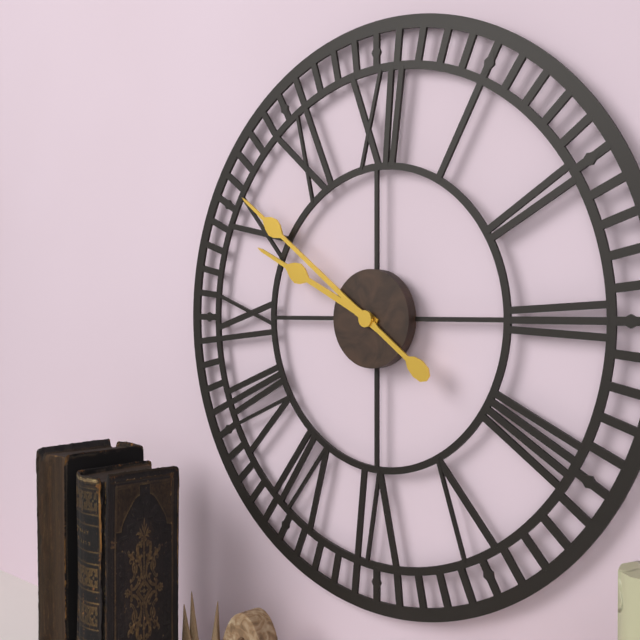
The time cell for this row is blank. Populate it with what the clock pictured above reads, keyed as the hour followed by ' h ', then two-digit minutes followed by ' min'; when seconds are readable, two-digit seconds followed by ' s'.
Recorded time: 9 h 51 min
